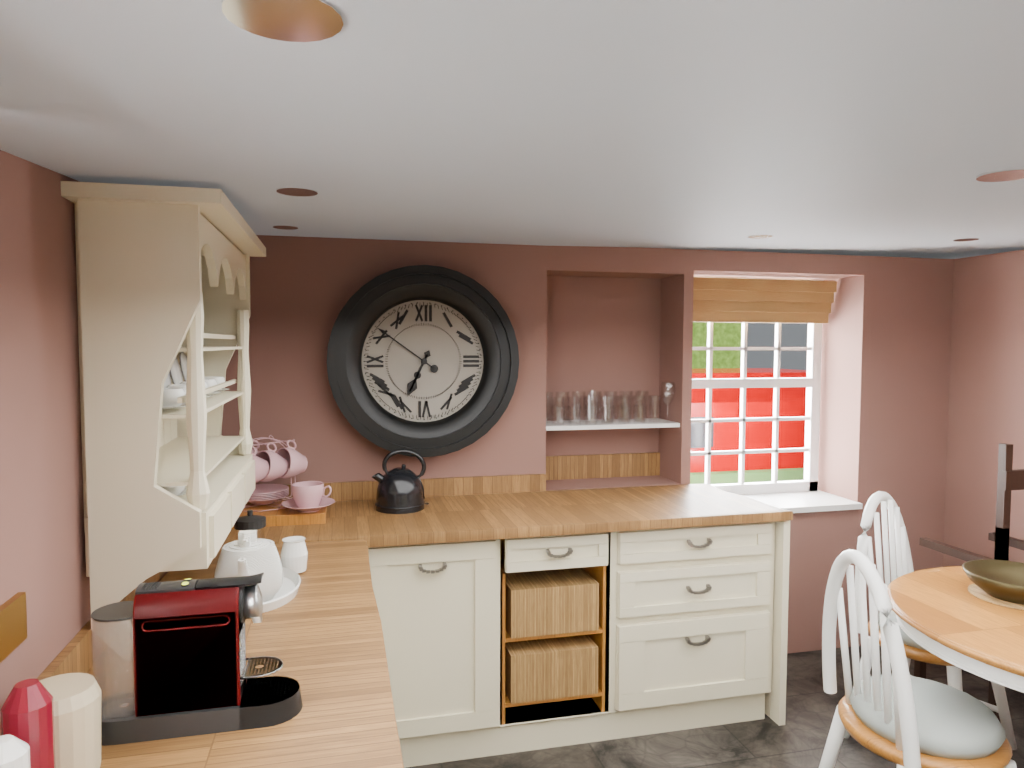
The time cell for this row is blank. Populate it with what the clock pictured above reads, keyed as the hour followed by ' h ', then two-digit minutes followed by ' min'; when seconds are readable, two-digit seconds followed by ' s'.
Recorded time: 6 h 51 min
